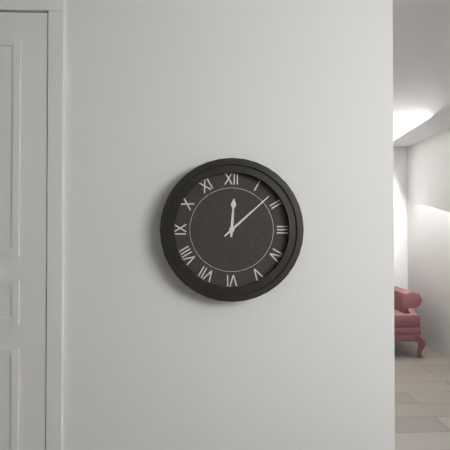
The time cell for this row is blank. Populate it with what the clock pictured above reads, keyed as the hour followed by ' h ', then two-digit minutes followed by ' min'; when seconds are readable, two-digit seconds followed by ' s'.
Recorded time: 12 h 08 min
